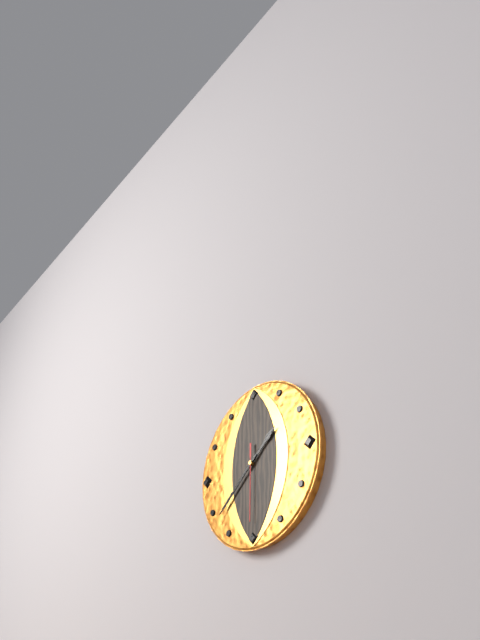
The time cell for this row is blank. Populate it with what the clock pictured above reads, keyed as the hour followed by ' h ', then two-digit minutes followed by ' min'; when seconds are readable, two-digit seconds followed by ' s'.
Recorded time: 1 h 38 min 30 s
